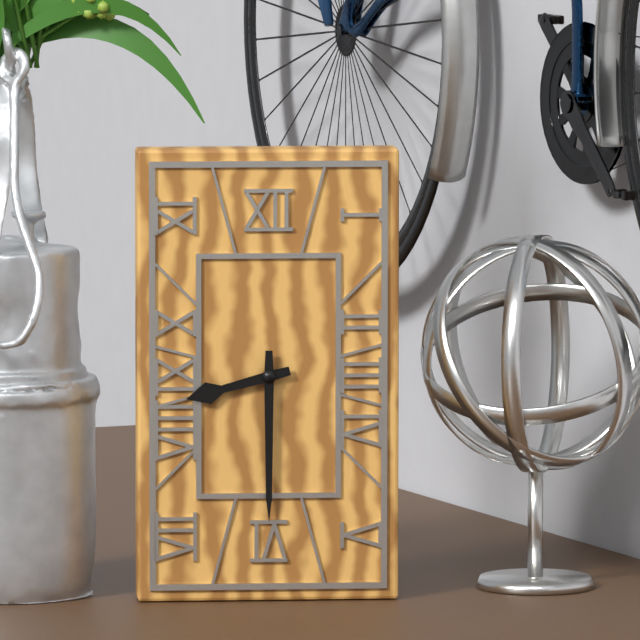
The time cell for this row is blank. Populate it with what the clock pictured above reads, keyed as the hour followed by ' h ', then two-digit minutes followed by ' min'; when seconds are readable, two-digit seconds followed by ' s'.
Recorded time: 8 h 30 min
